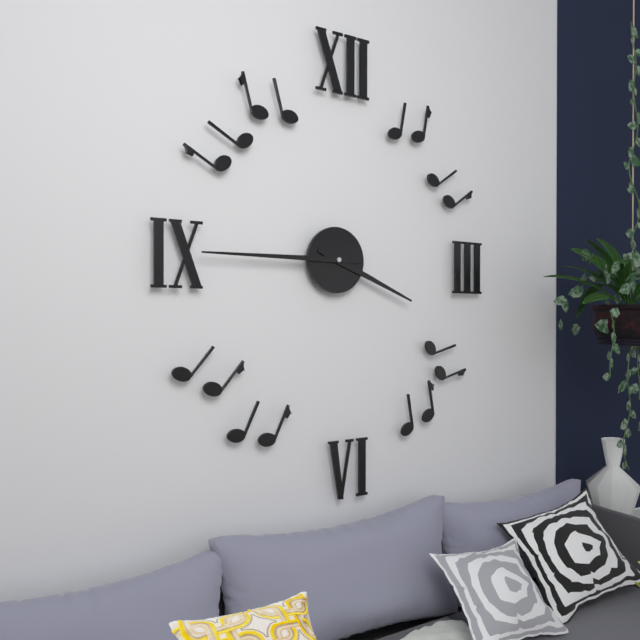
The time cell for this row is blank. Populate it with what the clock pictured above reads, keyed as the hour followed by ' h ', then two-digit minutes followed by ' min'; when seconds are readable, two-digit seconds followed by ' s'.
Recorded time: 3 h 45 min
